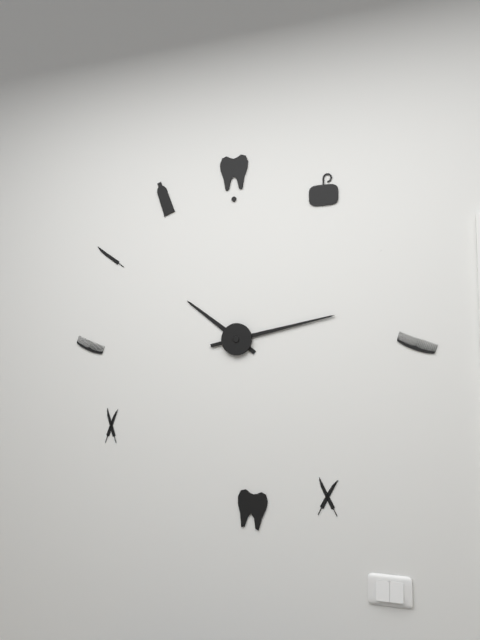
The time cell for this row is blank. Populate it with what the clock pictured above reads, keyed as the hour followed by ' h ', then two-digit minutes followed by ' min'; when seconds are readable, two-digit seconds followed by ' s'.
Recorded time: 10 h 13 min
